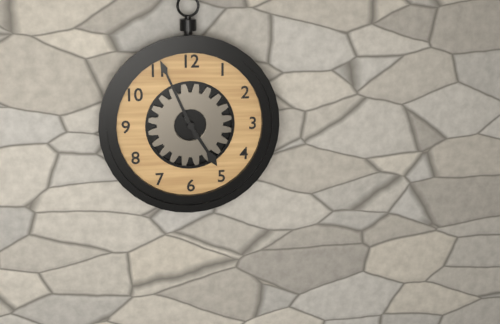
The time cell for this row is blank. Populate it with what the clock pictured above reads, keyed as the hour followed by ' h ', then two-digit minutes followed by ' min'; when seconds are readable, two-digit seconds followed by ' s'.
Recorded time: 4 h 56 min
